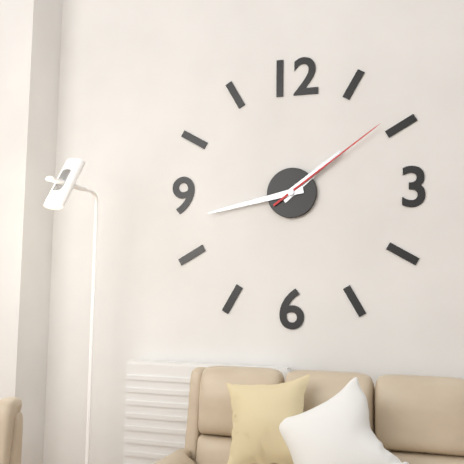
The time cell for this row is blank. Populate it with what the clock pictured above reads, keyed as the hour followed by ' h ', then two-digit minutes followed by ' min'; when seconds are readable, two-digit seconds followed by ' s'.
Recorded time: 1 h 43 min 09 s
